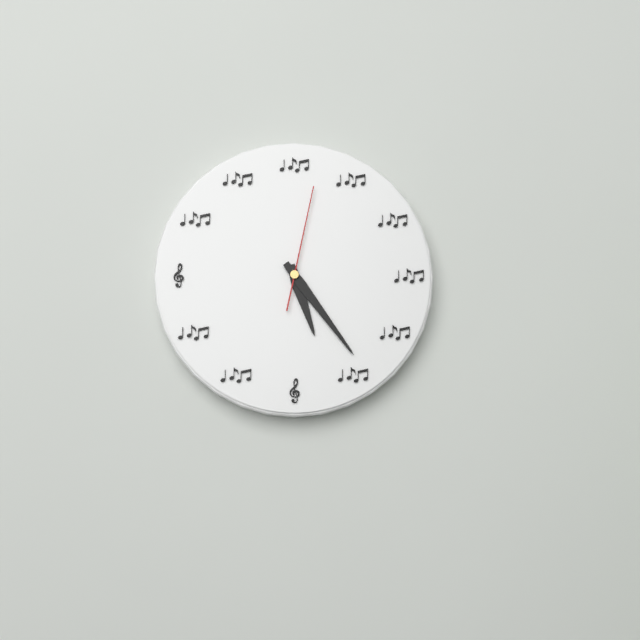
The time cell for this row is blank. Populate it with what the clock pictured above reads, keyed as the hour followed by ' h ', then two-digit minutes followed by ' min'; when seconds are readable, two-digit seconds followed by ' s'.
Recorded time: 5 h 24 min 02 s
